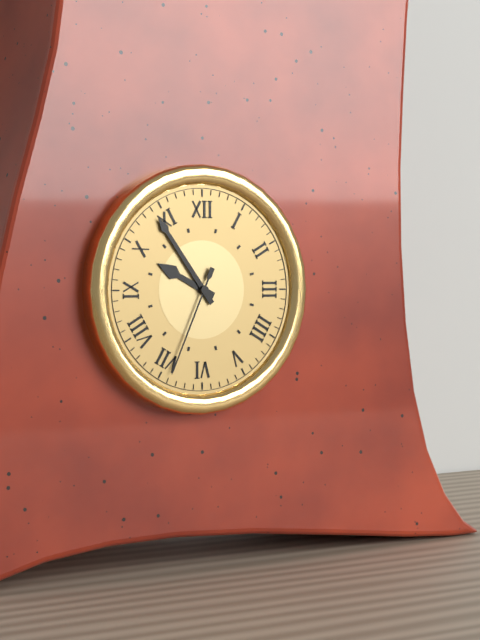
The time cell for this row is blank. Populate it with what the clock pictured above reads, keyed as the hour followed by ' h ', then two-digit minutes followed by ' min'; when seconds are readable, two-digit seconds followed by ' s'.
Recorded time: 9 h 54 min 34 s
